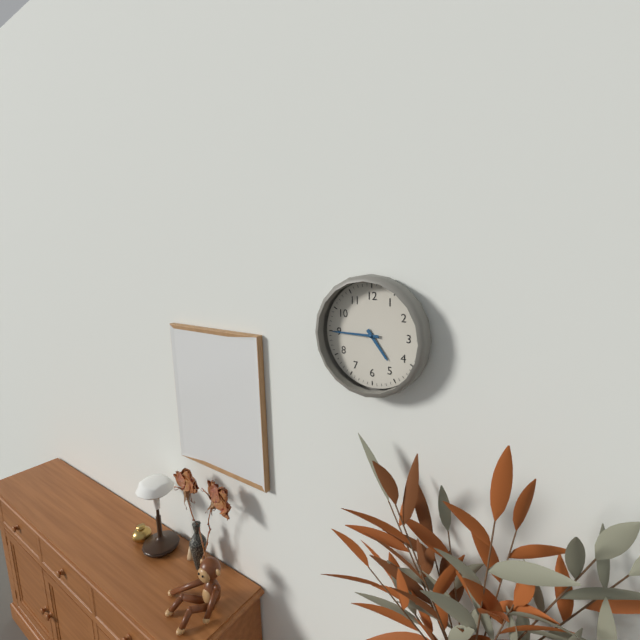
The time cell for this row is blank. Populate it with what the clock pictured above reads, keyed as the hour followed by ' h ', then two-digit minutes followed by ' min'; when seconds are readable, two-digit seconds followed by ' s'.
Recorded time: 4 h 45 min
